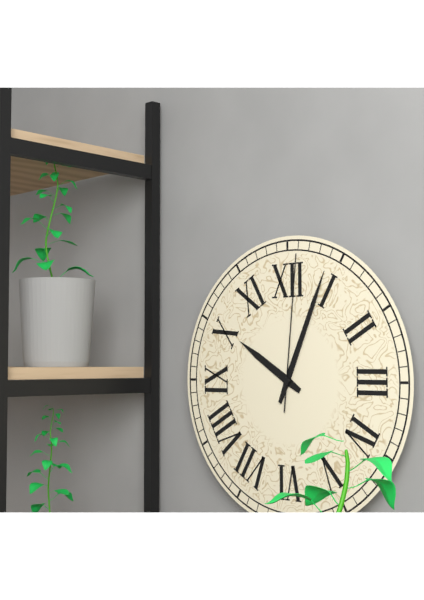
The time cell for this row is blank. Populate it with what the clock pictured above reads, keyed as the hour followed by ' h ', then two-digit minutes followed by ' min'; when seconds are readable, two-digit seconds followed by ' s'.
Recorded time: 10 h 04 min 01 s
